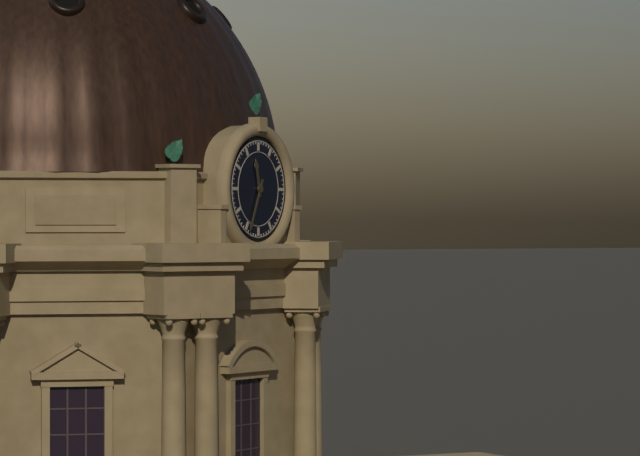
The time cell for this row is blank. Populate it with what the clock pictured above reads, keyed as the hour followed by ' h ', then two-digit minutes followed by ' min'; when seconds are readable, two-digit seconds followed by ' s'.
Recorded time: 11 h 34 min
